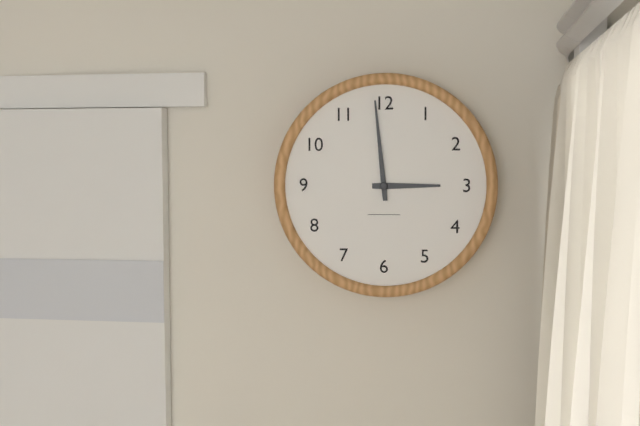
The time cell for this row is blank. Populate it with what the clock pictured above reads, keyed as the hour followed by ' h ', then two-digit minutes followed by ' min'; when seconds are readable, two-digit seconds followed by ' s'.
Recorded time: 2 h 59 min
